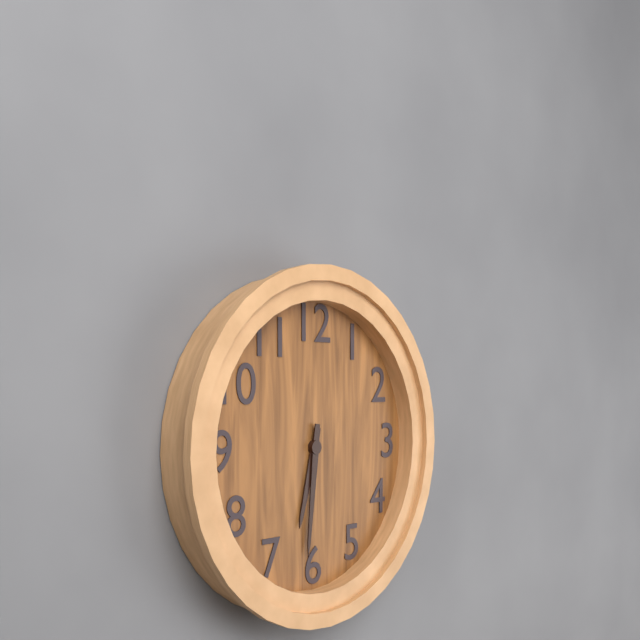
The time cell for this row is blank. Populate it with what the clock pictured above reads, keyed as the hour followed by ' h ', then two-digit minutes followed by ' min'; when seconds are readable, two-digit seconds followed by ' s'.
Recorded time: 6 h 31 min
